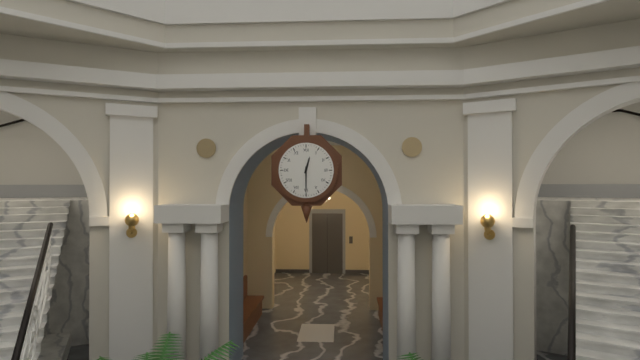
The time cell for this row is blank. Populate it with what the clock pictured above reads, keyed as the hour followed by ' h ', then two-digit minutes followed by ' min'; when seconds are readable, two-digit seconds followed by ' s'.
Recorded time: 12 h 30 min
